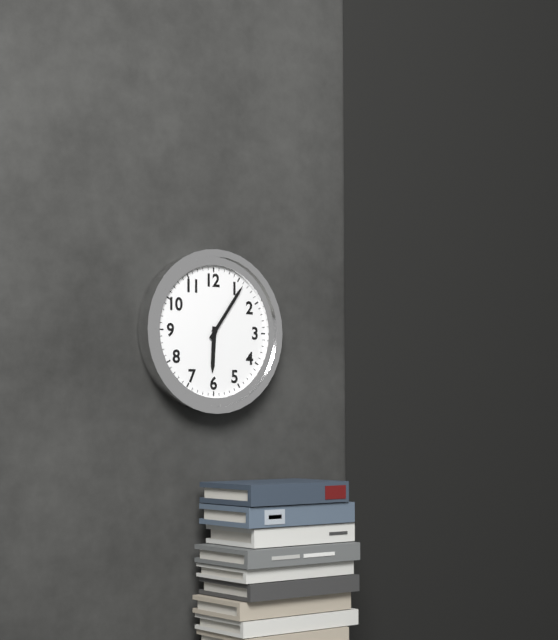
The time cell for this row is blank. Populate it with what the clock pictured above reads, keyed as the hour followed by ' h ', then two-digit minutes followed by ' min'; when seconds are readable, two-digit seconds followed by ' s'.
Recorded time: 6 h 06 min
